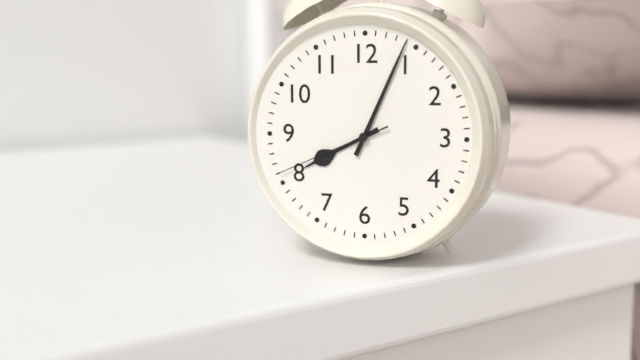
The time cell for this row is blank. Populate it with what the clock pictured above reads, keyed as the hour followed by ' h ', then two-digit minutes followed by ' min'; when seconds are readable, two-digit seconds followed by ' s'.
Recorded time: 8 h 04 min 41 s
